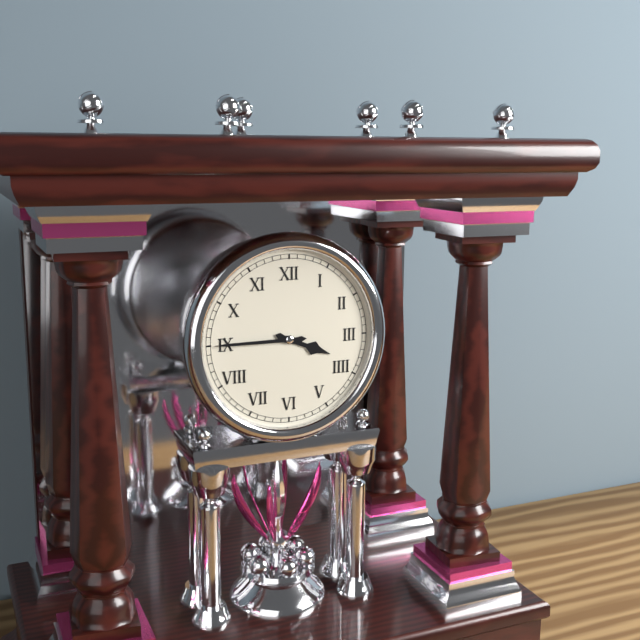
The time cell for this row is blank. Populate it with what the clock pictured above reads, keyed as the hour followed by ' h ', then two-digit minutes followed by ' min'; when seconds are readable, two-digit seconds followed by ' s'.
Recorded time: 3 h 45 min
